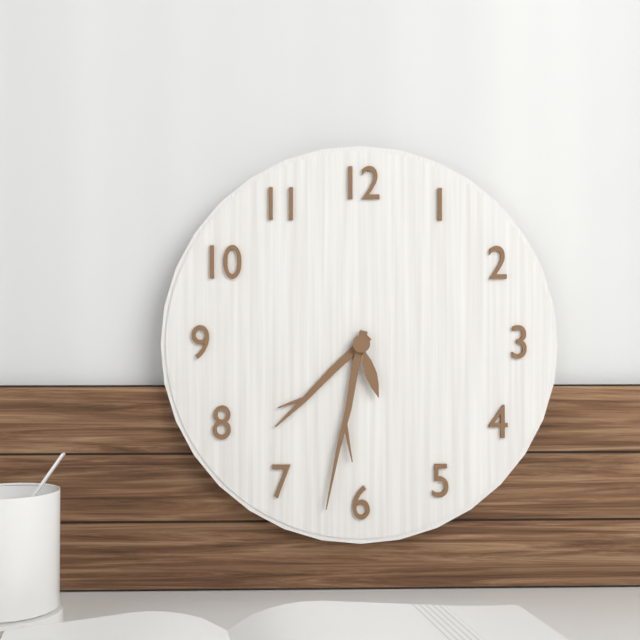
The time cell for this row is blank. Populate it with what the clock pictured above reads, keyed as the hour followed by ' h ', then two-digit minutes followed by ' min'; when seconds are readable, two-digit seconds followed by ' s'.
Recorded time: 7 h 32 min 27 s
